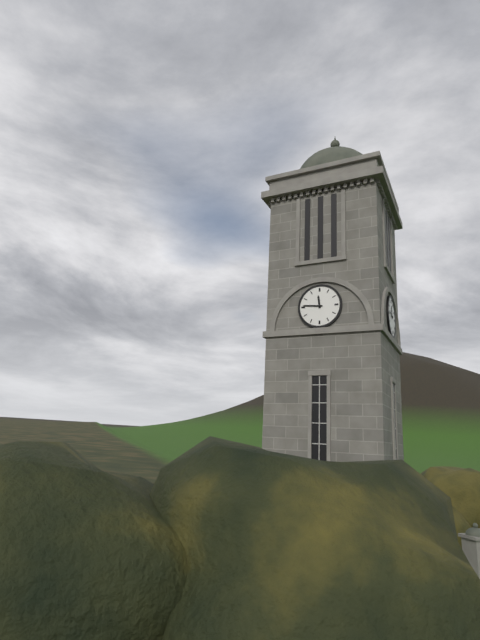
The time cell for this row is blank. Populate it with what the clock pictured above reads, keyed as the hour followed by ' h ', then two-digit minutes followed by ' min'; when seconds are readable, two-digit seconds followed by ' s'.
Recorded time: 11 h 46 min
